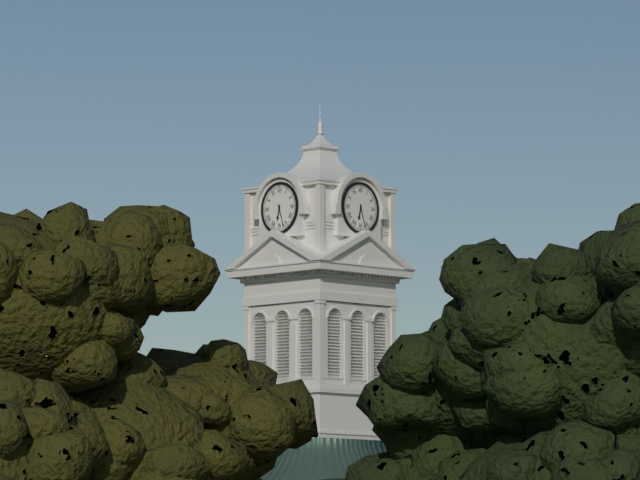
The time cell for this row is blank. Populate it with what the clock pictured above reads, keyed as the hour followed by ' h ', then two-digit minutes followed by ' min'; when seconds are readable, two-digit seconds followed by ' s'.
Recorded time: 6 h 27 min
